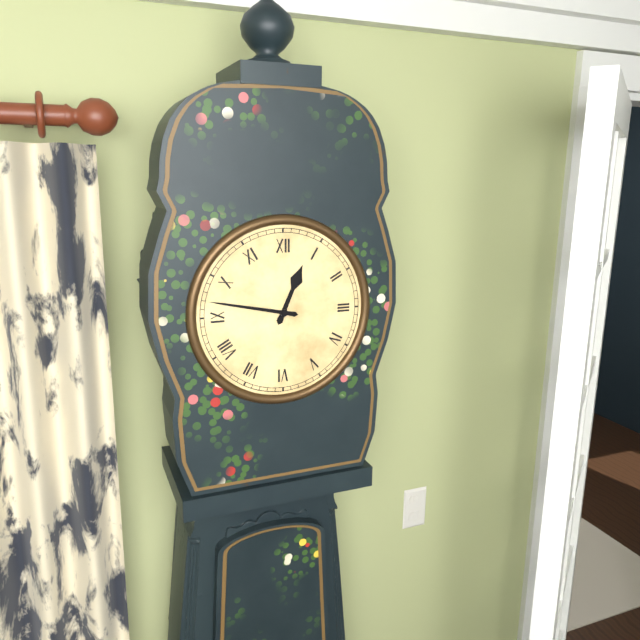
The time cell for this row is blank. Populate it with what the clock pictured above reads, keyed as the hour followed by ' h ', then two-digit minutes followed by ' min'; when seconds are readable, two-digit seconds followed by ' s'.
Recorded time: 12 h 47 min
